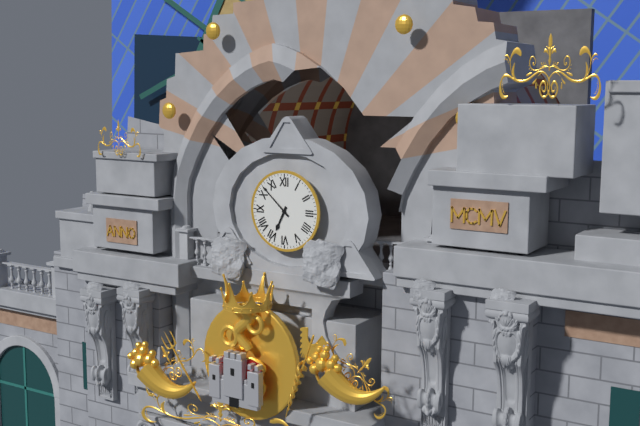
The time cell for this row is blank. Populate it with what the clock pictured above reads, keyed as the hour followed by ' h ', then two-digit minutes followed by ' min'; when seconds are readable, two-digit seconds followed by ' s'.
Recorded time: 6 h 52 min
